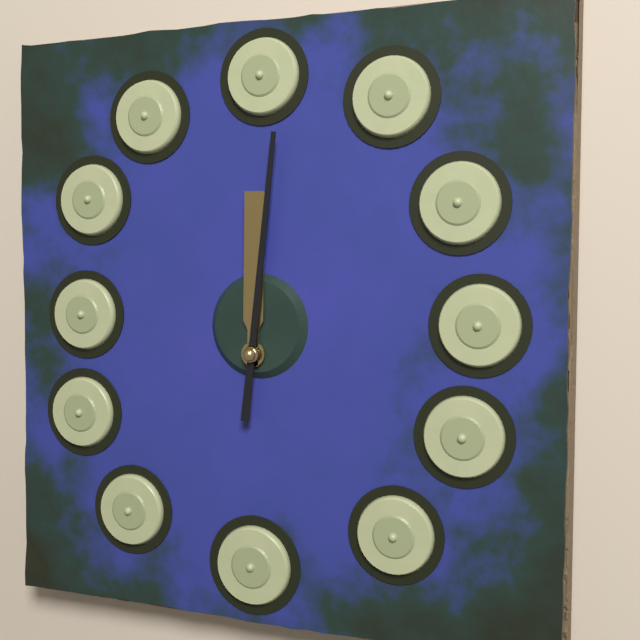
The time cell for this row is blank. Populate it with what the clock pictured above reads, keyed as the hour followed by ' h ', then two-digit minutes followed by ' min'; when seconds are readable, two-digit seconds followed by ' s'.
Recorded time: 12 h 01 min
